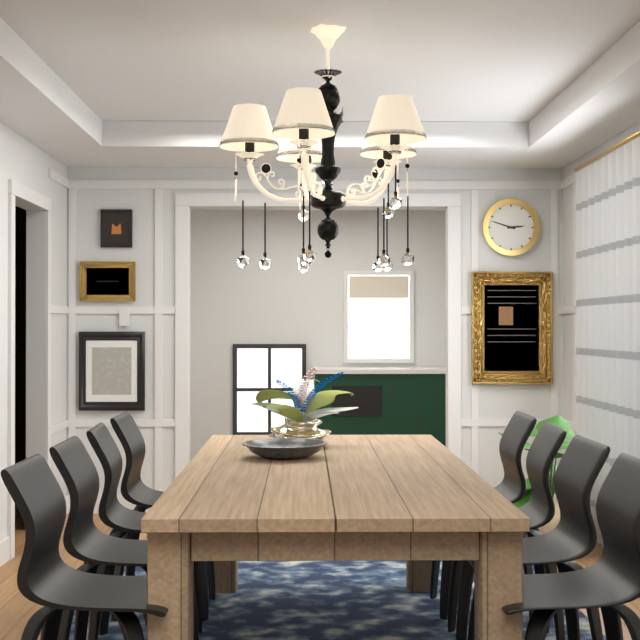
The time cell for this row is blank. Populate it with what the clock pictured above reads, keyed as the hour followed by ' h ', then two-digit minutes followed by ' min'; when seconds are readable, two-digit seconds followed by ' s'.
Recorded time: 2 h 48 min
